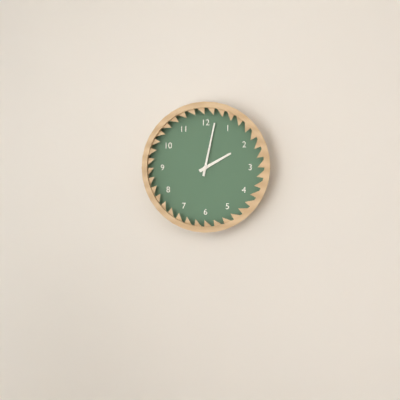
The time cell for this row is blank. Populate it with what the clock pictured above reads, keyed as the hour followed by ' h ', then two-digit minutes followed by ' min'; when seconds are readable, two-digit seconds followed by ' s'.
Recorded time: 2 h 02 min
